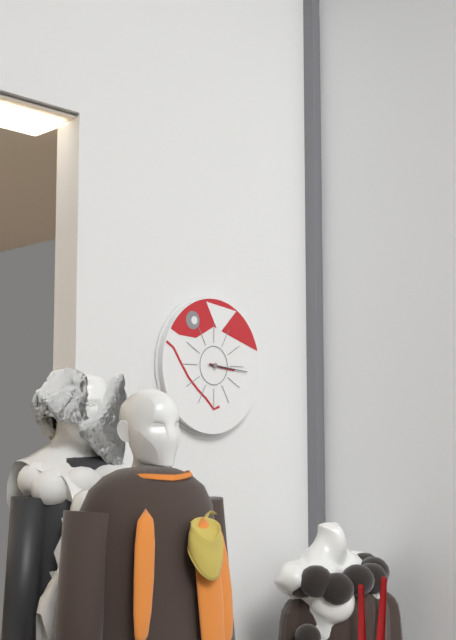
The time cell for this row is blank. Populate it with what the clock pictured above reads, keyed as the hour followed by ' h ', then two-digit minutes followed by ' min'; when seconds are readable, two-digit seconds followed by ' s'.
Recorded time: 3 h 16 min
